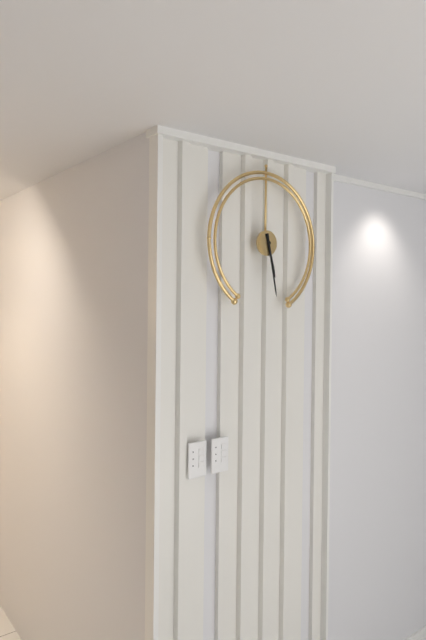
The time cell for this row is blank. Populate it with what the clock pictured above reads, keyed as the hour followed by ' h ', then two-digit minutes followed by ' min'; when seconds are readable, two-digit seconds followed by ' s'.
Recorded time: 5 h 28 min
